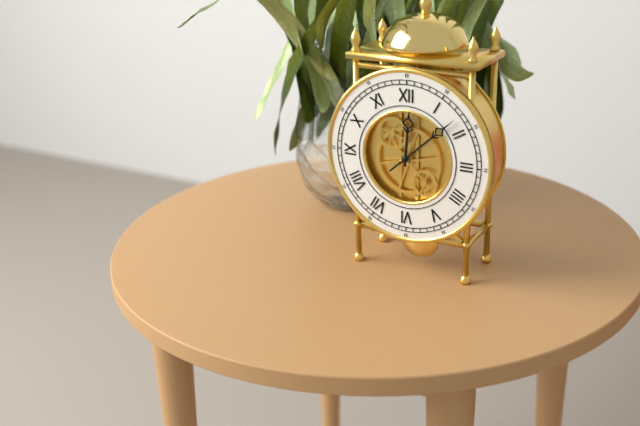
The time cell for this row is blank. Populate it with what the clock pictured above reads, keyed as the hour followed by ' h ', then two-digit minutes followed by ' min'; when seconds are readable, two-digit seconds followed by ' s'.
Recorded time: 12 h 08 min
